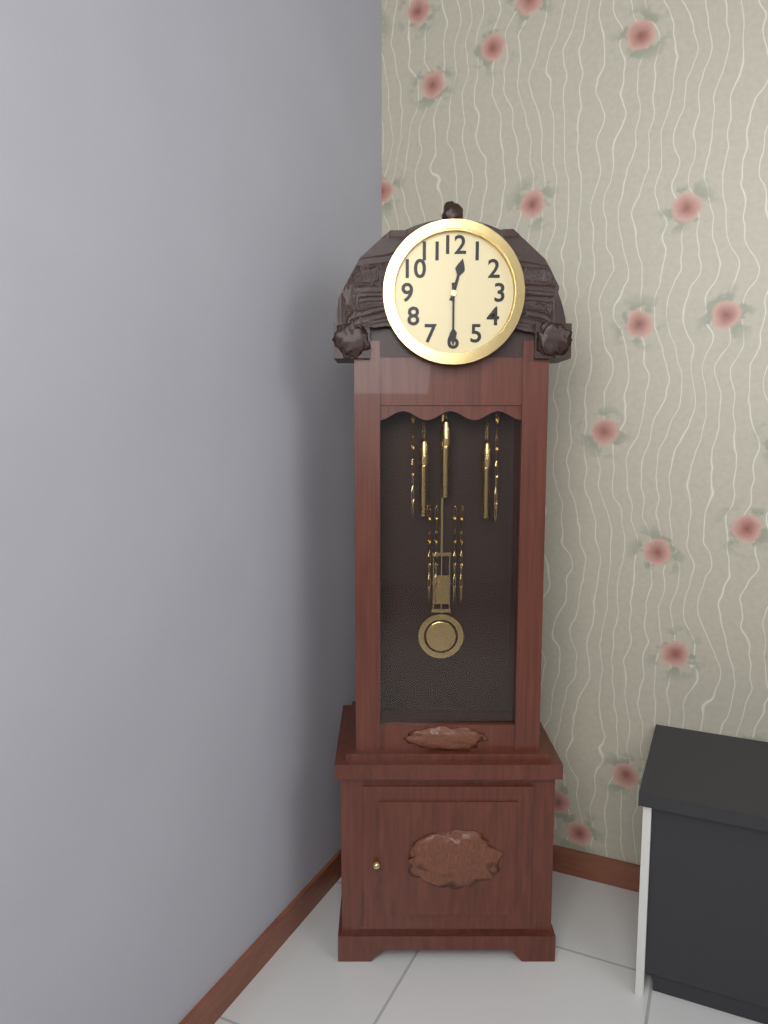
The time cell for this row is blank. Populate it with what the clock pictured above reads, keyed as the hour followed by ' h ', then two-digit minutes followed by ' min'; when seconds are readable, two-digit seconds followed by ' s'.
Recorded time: 12 h 30 min
